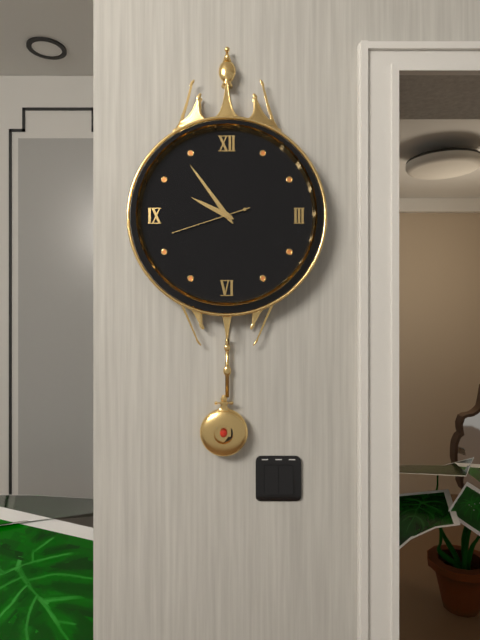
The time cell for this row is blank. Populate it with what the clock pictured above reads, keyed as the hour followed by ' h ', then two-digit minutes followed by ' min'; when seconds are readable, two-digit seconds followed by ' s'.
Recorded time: 9 h 54 min 42 s
